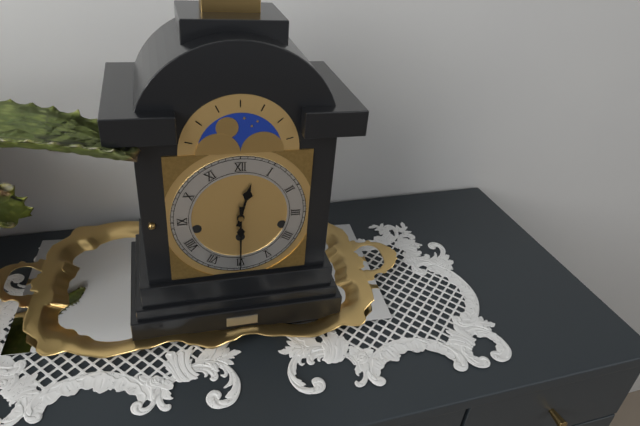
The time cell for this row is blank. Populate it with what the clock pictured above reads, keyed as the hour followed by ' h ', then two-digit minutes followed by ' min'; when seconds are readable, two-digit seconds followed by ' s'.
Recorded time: 12 h 30 min
